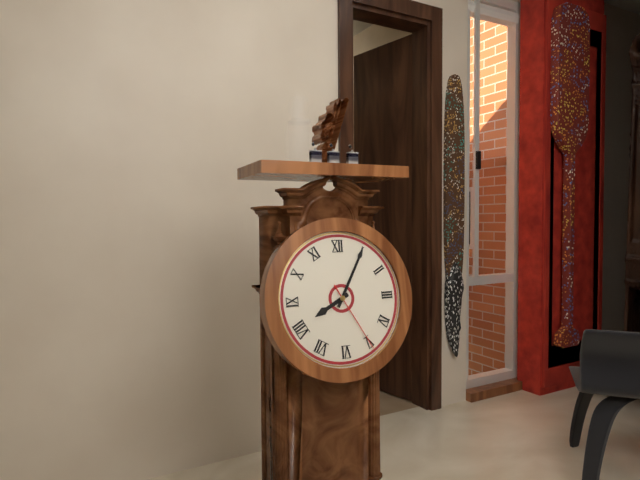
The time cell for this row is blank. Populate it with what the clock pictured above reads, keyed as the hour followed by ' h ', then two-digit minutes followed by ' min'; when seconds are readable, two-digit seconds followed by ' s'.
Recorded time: 8 h 05 min 25 s
